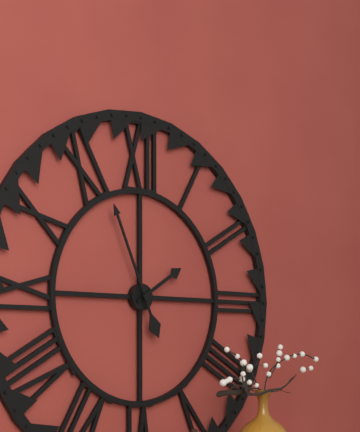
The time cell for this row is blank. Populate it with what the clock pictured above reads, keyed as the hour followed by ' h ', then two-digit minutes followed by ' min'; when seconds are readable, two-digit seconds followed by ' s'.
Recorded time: 1 h 56 min
